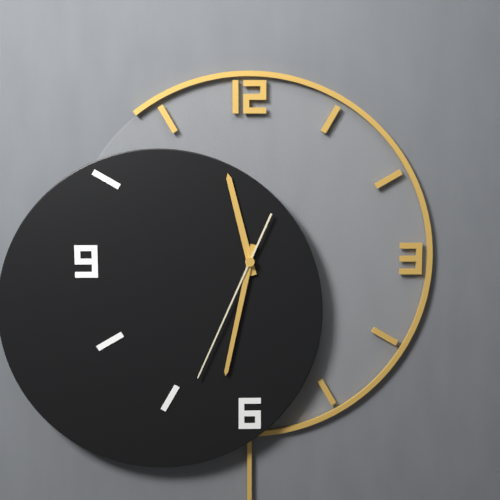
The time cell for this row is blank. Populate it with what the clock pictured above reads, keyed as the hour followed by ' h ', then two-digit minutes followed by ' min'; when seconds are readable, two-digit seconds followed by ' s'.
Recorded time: 11 h 32 min 34 s
